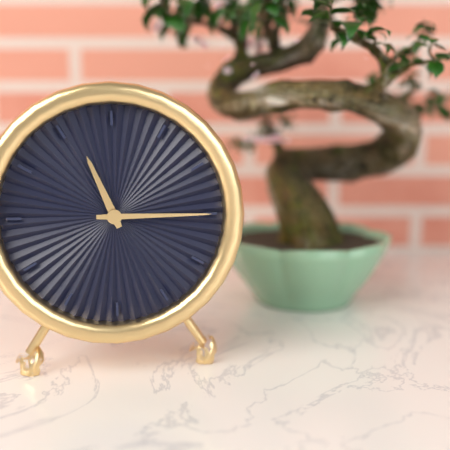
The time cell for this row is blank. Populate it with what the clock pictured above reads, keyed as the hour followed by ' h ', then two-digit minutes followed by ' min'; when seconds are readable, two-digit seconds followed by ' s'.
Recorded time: 11 h 15 min
